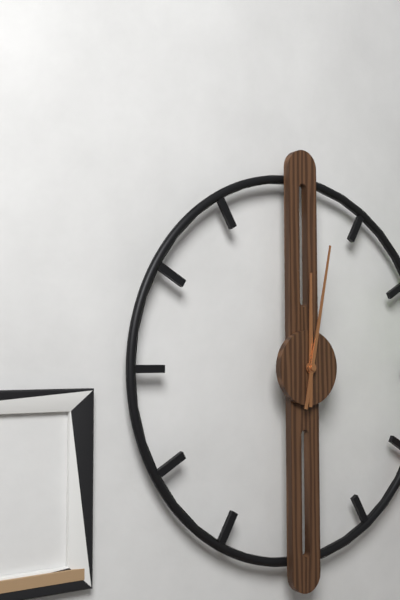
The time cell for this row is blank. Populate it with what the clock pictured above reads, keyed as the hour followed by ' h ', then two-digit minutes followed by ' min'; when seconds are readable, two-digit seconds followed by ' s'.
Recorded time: 12 h 02 min
